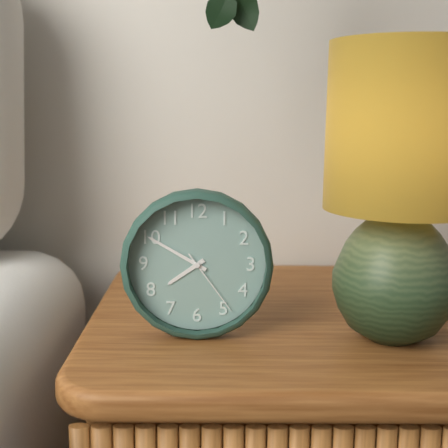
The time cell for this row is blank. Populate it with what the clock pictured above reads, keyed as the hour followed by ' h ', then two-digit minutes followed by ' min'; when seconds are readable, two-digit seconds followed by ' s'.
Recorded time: 7 h 50 min 24 s
